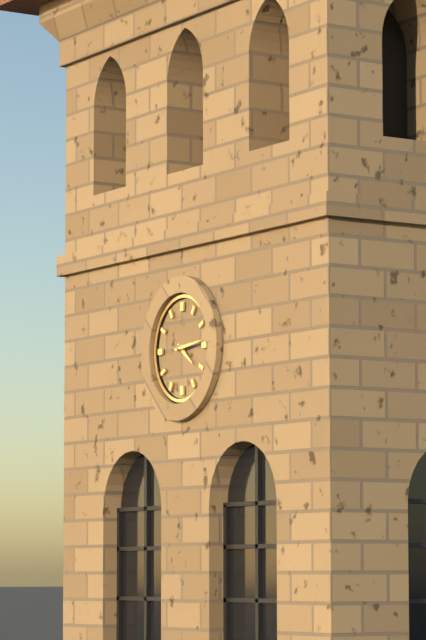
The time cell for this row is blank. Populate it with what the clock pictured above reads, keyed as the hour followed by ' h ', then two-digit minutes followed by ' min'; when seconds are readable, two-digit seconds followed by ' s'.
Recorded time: 4 h 14 min
